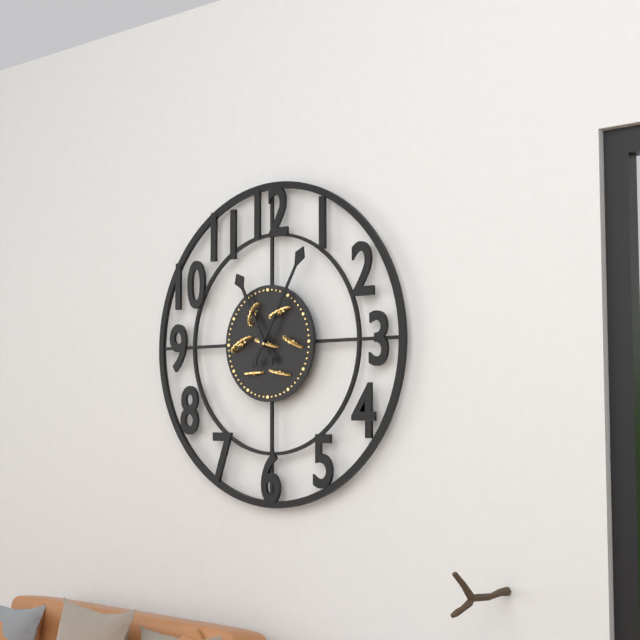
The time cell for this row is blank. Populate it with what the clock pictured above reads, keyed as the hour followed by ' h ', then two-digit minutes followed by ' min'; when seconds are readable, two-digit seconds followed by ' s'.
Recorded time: 11 h 05 min
